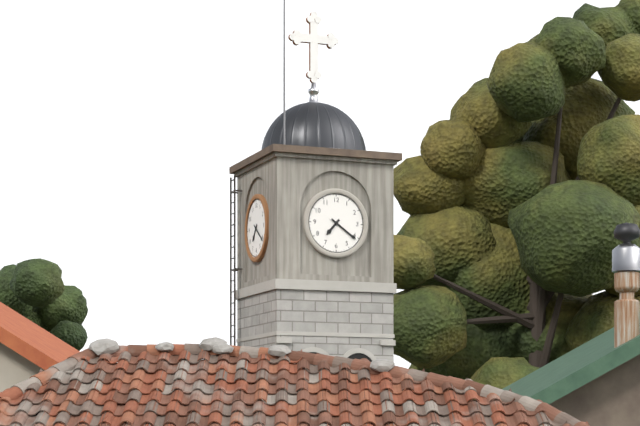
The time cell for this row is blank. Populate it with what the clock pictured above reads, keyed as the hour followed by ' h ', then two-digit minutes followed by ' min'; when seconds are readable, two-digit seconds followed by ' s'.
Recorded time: 7 h 21 min
